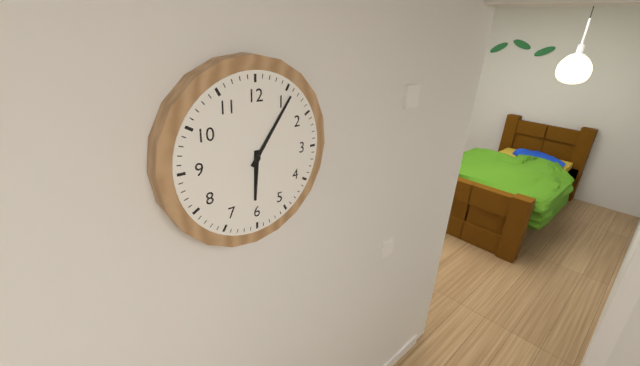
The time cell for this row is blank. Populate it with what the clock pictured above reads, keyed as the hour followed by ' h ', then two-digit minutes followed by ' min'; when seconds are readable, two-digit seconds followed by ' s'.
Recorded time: 6 h 06 min
